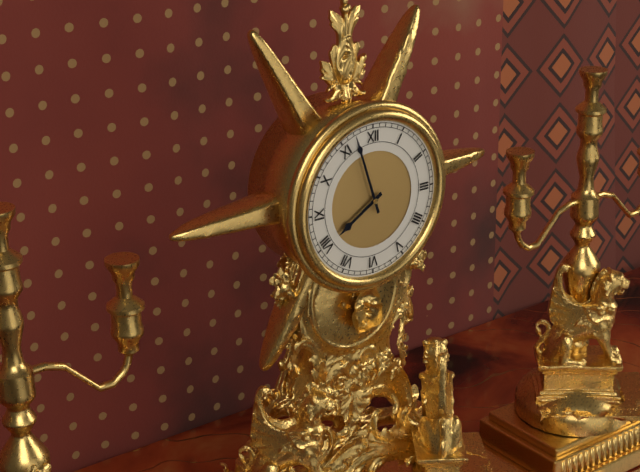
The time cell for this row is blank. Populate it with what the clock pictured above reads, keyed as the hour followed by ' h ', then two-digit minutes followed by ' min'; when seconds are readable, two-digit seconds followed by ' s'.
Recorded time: 7 h 57 min
